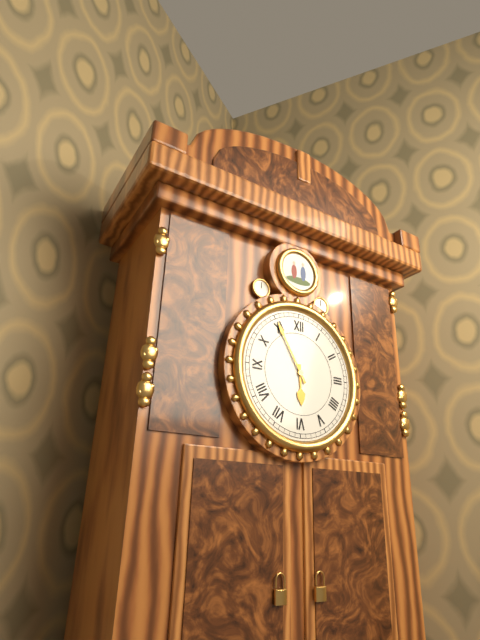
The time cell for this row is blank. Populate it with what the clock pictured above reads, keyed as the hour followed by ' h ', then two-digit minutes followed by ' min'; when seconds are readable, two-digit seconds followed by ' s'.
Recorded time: 5 h 55 min
